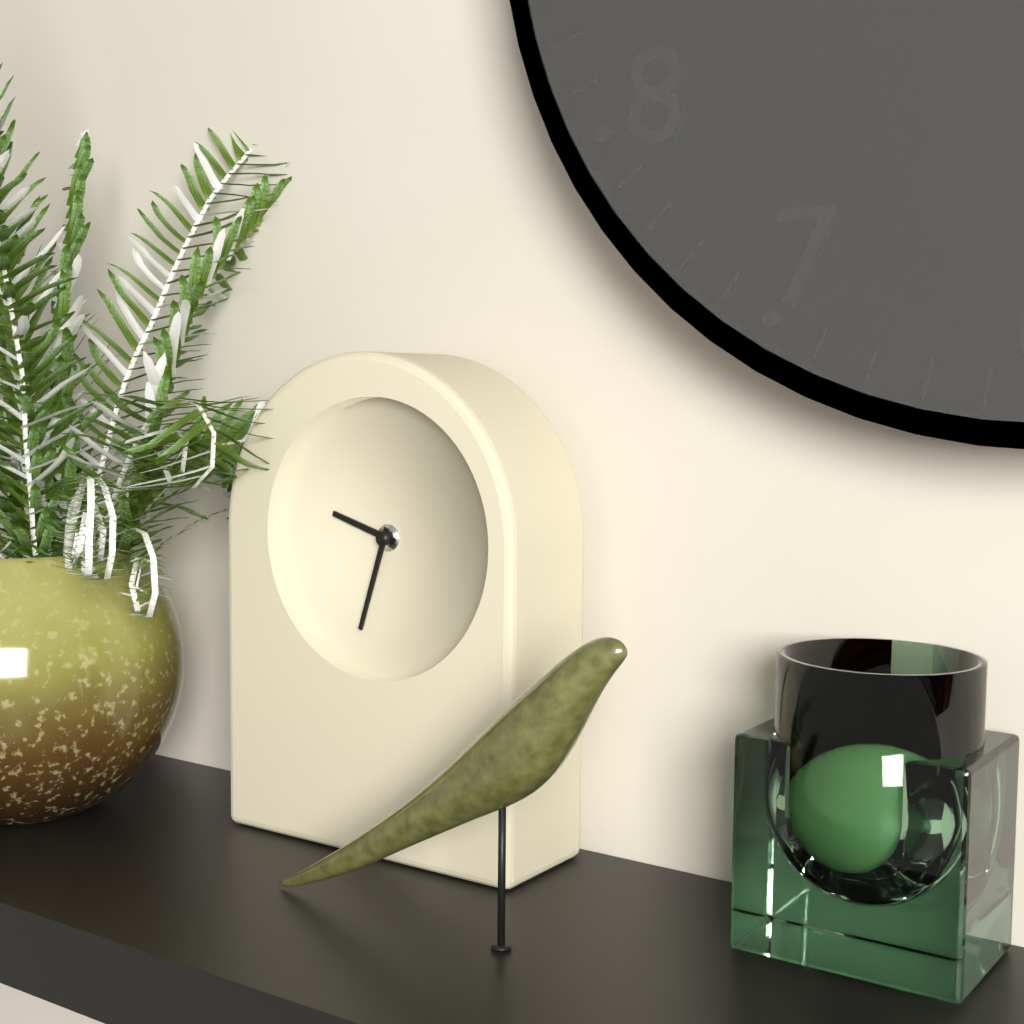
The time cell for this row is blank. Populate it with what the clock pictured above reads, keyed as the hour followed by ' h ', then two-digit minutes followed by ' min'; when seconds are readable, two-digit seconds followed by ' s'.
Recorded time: 9 h 33 min
